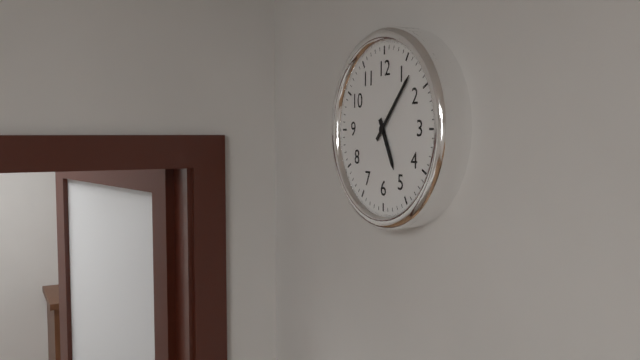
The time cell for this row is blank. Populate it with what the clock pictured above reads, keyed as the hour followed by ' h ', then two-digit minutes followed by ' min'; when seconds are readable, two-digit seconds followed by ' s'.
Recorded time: 5 h 07 min
